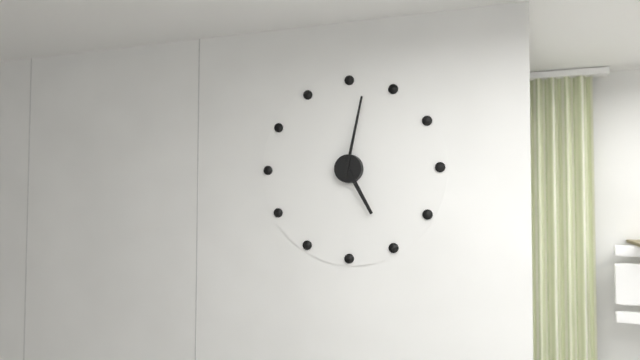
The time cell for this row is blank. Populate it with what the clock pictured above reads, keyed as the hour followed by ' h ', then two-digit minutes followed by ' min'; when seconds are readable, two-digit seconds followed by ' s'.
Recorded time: 5 h 02 min
